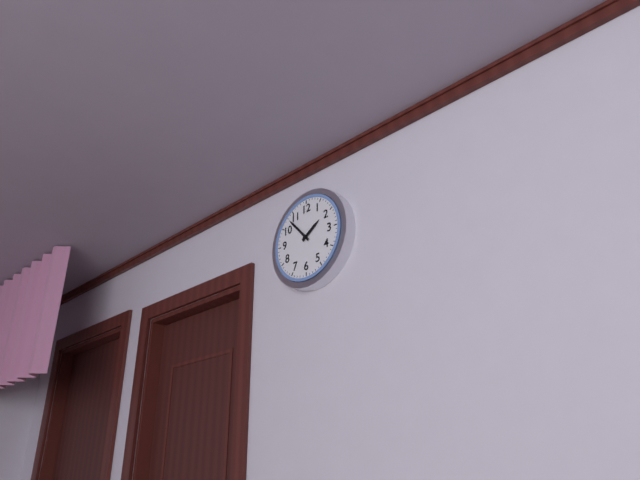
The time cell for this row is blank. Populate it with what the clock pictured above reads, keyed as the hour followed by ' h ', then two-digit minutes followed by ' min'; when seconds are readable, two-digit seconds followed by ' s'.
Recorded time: 1 h 53 min
